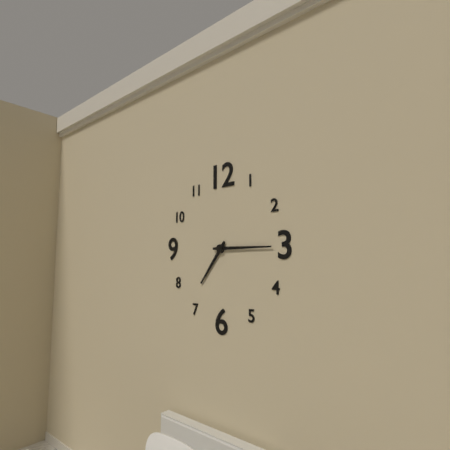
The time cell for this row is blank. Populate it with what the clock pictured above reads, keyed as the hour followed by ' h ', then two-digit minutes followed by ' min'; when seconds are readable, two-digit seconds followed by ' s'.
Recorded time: 7 h 15 min
